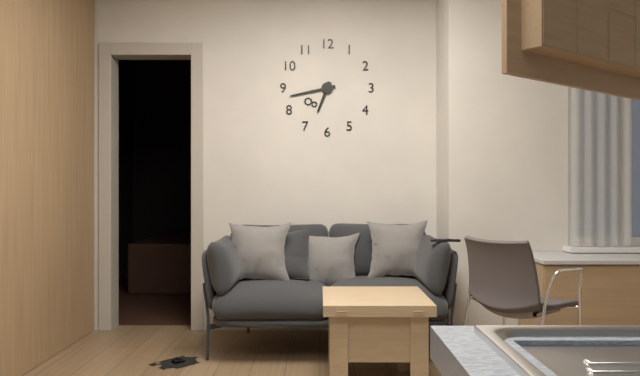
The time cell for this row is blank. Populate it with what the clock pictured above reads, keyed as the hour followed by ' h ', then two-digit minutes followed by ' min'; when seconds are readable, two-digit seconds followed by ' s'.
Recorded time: 6 h 43 min
